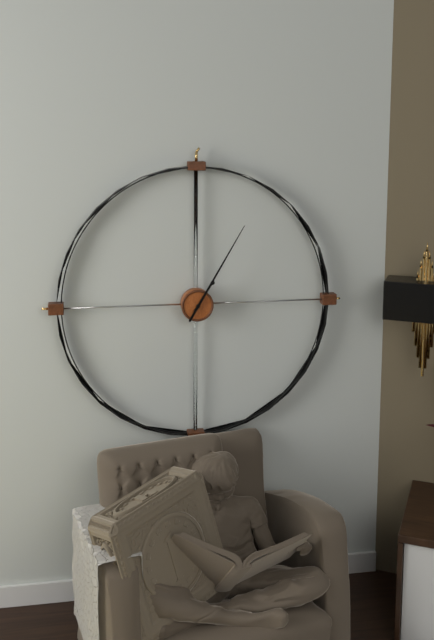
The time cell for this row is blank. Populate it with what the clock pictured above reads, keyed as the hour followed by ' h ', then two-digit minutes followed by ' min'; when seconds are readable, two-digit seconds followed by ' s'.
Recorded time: 1 h 05 min
